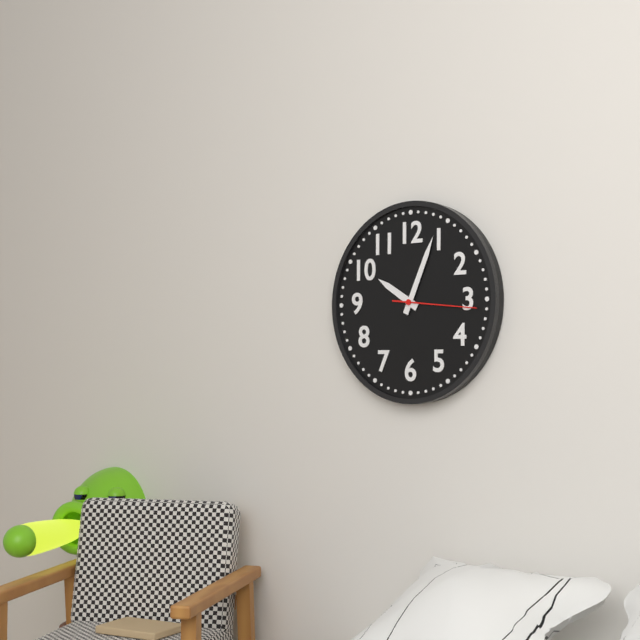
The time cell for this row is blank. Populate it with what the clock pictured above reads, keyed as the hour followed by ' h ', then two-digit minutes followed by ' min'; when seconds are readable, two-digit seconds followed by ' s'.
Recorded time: 10 h 04 min 16 s
